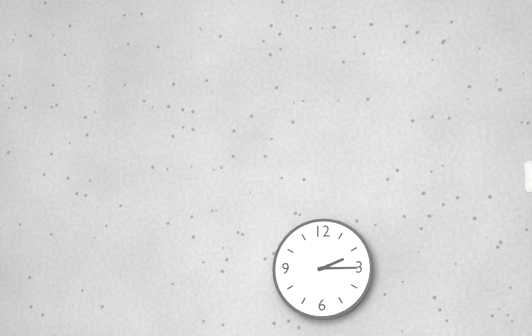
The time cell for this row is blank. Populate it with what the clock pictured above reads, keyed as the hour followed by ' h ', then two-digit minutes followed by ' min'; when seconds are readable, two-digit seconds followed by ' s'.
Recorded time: 2 h 15 min
